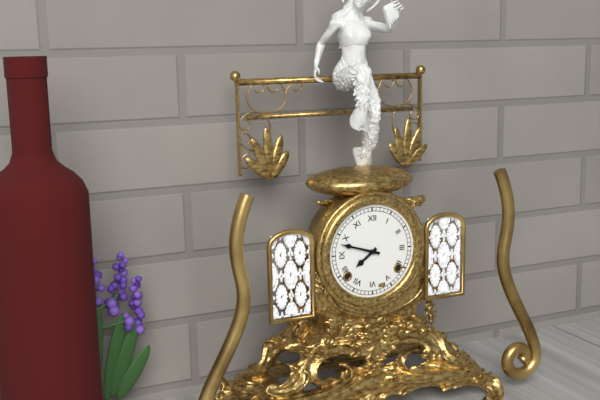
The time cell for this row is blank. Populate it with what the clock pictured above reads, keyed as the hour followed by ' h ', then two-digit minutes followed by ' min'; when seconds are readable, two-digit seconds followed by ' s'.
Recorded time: 7 h 48 min
